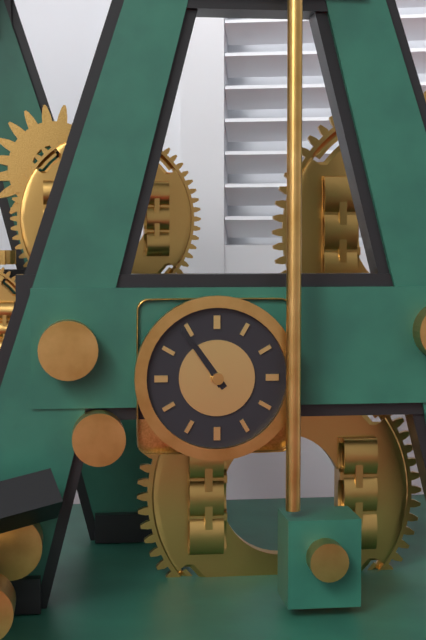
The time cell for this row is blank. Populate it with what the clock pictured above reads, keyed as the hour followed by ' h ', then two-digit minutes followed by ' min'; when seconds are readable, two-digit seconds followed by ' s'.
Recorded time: 10 h 54 min
